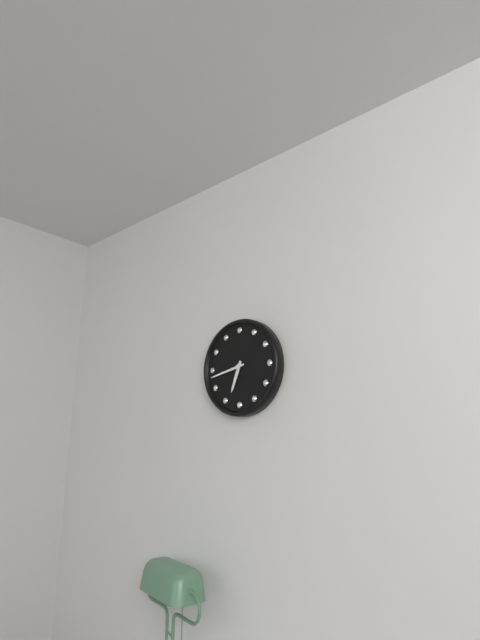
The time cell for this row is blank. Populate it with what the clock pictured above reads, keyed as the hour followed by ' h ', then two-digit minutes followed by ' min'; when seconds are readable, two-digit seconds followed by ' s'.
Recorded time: 6 h 43 min
